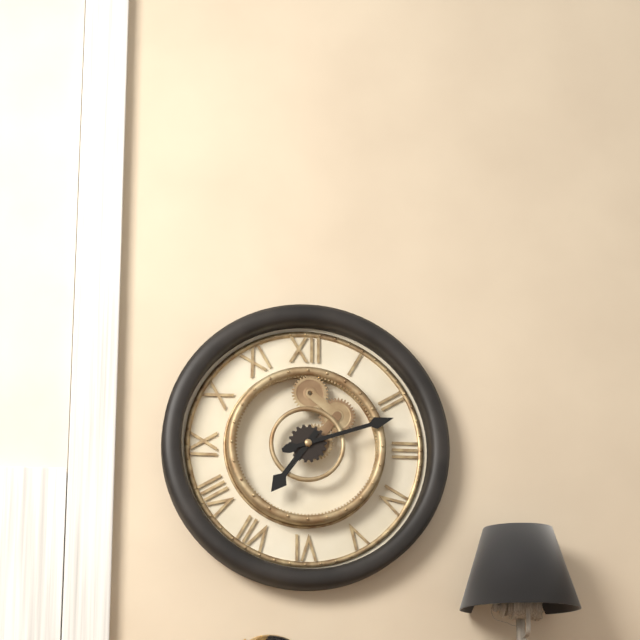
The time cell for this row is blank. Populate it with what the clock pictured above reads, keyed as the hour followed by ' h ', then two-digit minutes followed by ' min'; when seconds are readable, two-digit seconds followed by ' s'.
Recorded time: 7 h 12 min
